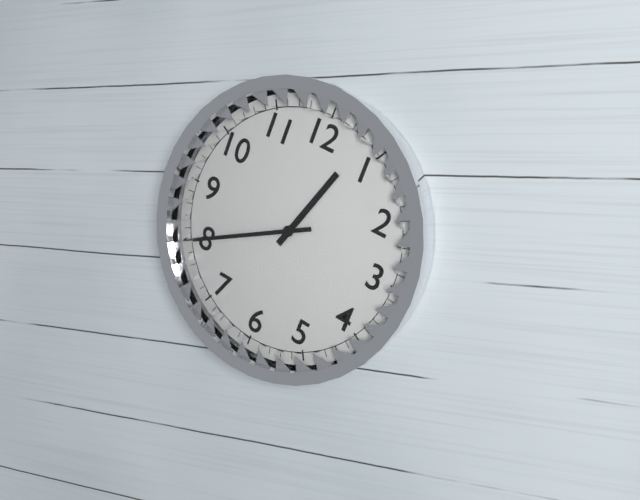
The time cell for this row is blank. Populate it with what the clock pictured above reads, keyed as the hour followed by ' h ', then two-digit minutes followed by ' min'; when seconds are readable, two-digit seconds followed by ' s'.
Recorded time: 12 h 40 min
